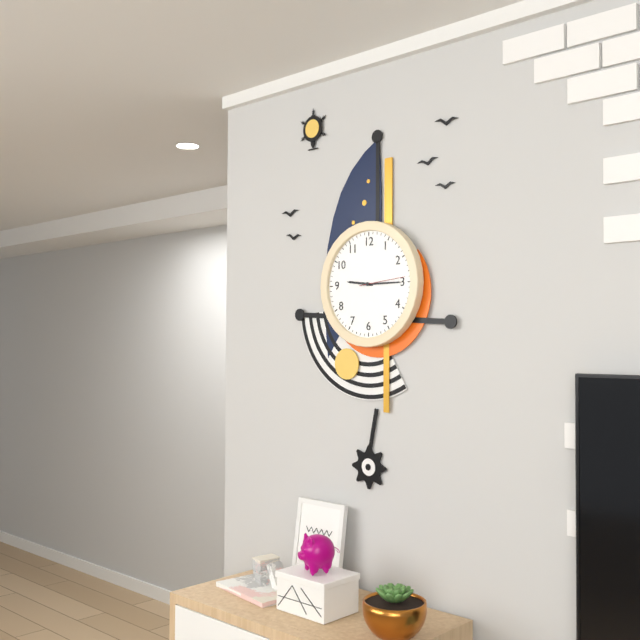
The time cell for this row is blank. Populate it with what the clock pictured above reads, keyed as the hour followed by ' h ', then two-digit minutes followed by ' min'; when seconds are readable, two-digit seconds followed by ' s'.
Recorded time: 9 h 15 min
